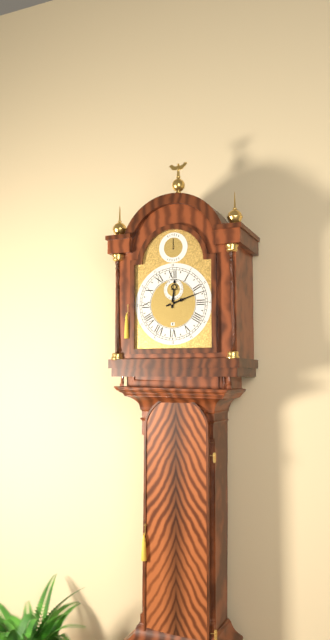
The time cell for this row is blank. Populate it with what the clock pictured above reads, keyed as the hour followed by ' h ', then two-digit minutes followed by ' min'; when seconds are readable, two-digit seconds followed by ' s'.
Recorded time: 12 h 12 min
